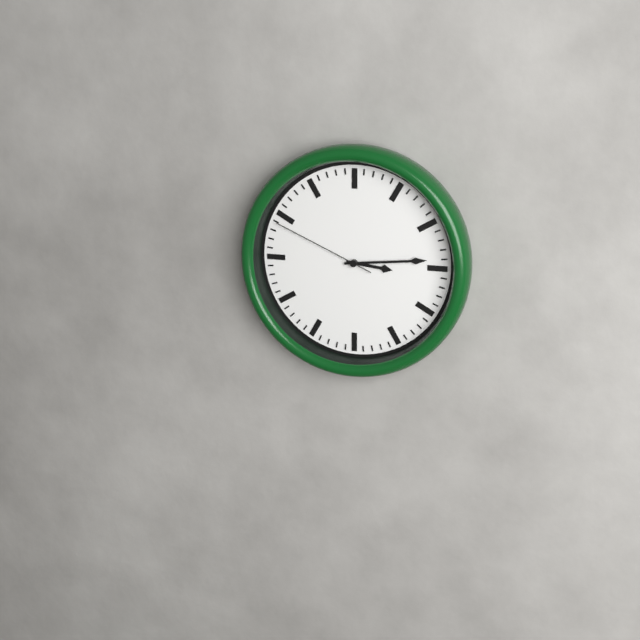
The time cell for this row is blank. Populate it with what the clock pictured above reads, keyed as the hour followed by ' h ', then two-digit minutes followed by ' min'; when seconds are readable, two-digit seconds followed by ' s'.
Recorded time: 3 h 14 min 49 s
